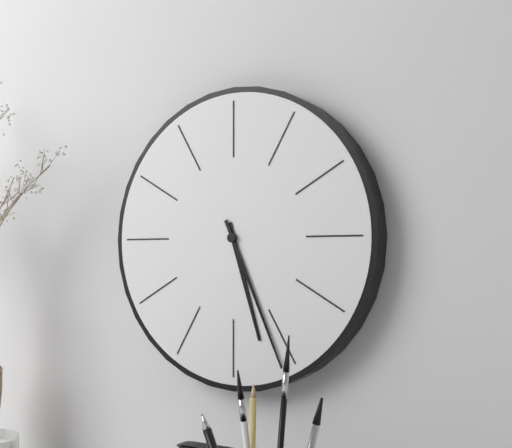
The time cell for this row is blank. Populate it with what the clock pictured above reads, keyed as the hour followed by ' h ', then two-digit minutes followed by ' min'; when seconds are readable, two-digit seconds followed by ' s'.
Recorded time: 5 h 26 min
